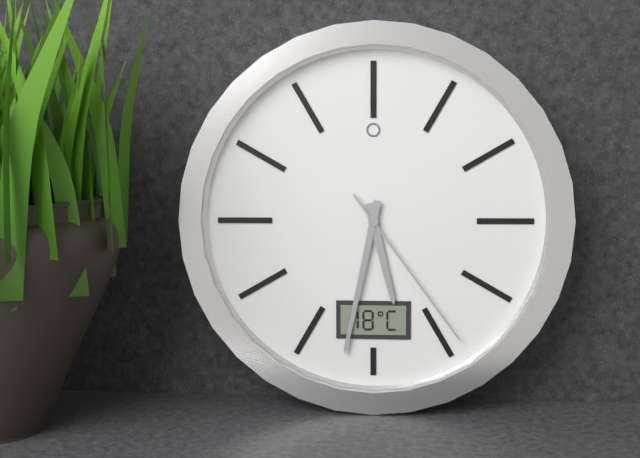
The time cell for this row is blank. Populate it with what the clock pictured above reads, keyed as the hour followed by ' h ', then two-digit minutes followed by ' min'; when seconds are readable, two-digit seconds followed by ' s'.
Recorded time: 5 h 32 min 24 s
